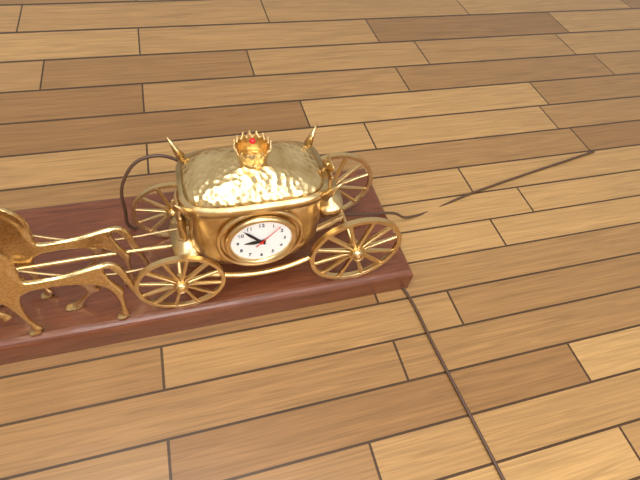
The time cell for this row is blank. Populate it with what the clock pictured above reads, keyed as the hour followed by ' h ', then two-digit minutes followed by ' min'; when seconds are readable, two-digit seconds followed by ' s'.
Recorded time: 8 h 53 min
